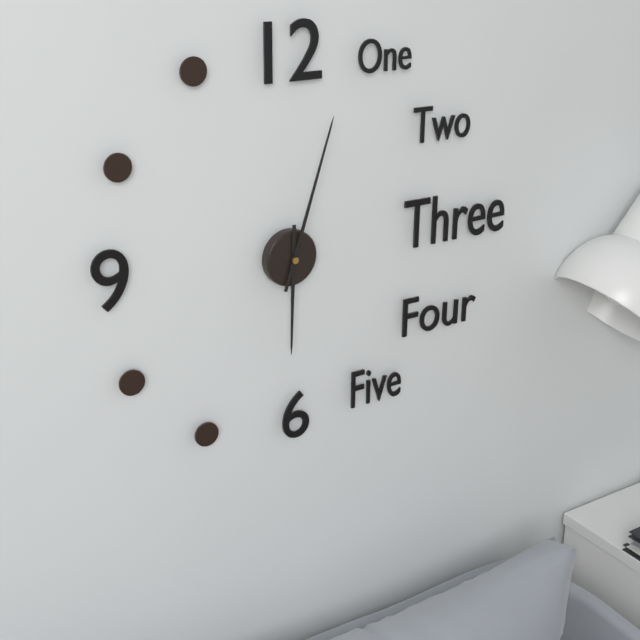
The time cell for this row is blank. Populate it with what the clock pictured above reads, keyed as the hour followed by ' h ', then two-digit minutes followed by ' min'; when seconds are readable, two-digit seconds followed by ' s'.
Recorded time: 6 h 03 min
